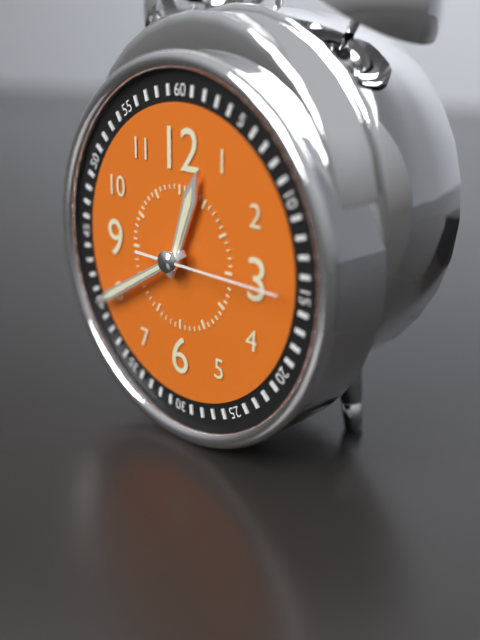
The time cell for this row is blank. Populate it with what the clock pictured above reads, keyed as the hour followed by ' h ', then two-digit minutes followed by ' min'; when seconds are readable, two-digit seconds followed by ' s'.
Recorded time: 12 h 40 min 15 s
